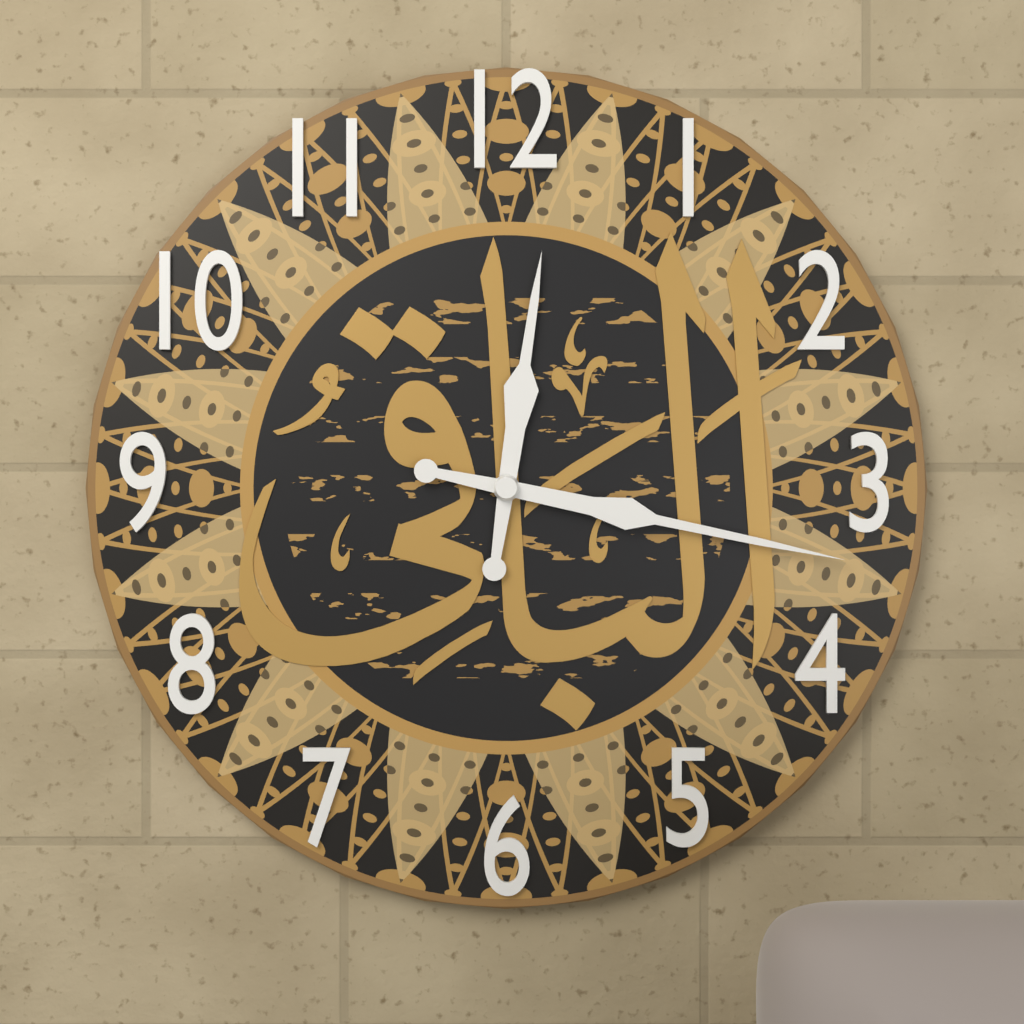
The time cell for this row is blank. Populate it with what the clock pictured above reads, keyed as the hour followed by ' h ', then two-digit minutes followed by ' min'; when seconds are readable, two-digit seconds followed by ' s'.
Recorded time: 12 h 17 min
